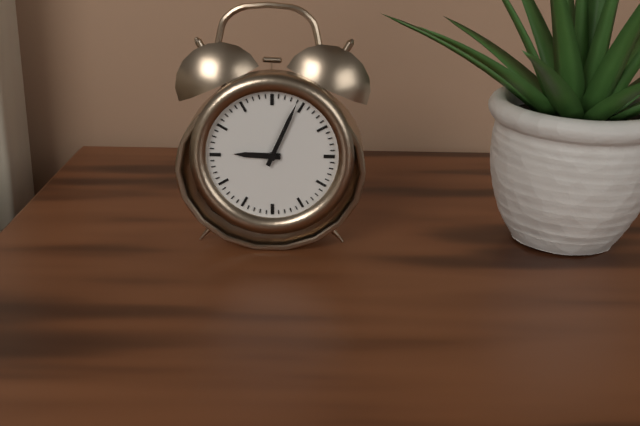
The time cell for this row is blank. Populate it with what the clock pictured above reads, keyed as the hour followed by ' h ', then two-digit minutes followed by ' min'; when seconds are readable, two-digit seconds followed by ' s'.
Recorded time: 9 h 04 min
